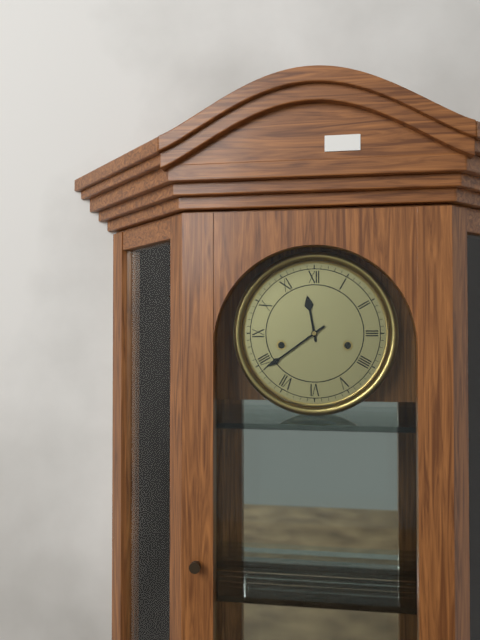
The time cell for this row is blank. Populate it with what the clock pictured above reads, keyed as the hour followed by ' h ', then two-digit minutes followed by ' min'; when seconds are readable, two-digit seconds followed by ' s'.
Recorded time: 11 h 39 min
